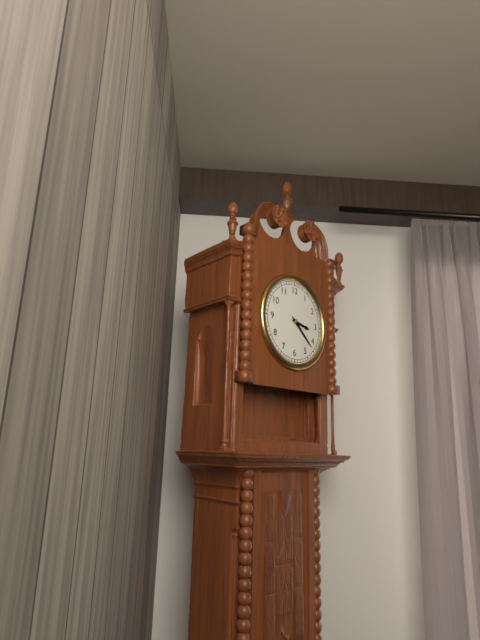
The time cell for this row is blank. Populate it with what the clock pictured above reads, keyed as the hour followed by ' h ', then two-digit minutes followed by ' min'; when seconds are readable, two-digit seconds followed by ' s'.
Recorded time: 3 h 22 min
